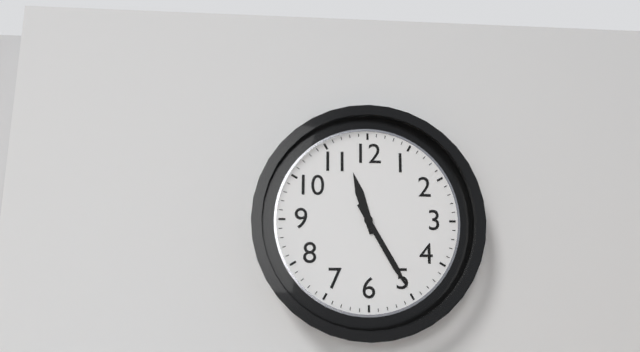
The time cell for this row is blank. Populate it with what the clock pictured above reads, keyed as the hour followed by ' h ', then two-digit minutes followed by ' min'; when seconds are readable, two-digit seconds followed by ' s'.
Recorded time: 11 h 25 min
